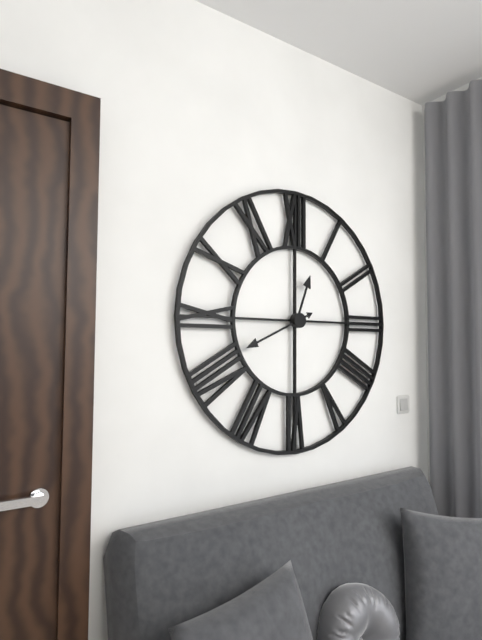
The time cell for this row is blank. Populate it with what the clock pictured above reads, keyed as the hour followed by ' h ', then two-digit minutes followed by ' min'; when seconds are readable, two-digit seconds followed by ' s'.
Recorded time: 12 h 41 min
